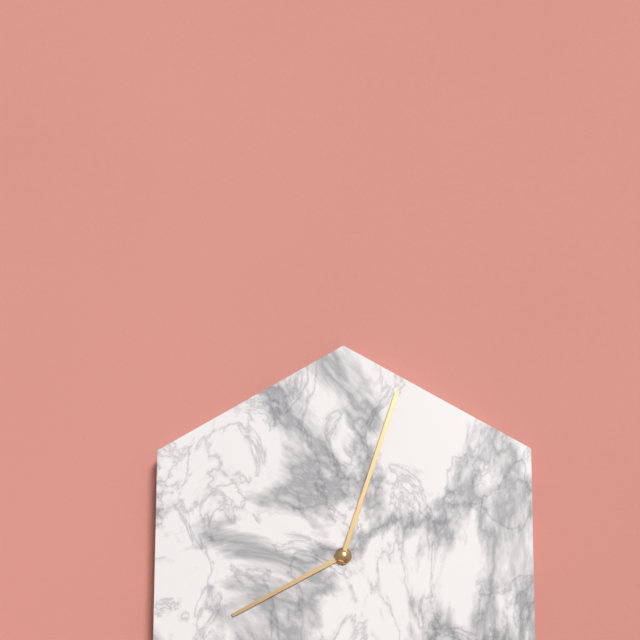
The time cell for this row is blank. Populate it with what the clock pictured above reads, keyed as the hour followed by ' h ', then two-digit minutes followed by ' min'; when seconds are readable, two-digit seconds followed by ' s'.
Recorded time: 8 h 03 min
